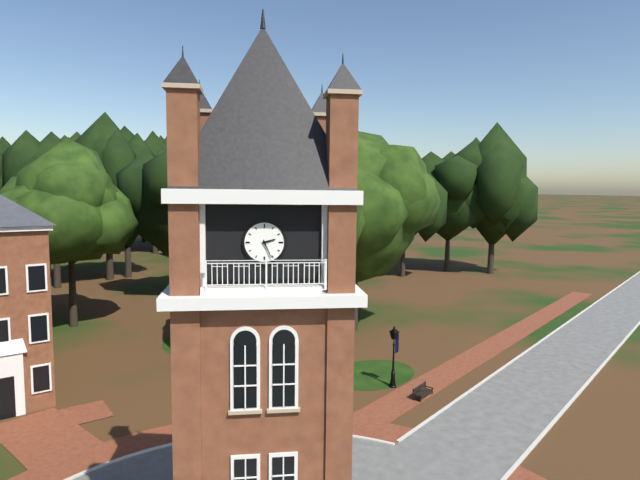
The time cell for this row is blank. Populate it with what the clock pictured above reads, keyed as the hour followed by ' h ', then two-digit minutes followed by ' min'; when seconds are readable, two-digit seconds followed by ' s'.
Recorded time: 2 h 26 min
